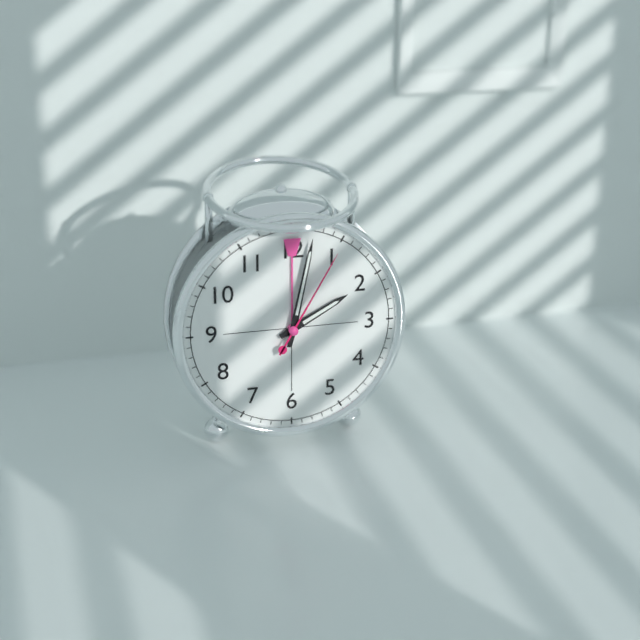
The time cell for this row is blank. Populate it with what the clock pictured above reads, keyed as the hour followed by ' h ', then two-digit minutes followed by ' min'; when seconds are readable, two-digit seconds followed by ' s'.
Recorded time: 2 h 02 min 05 s
